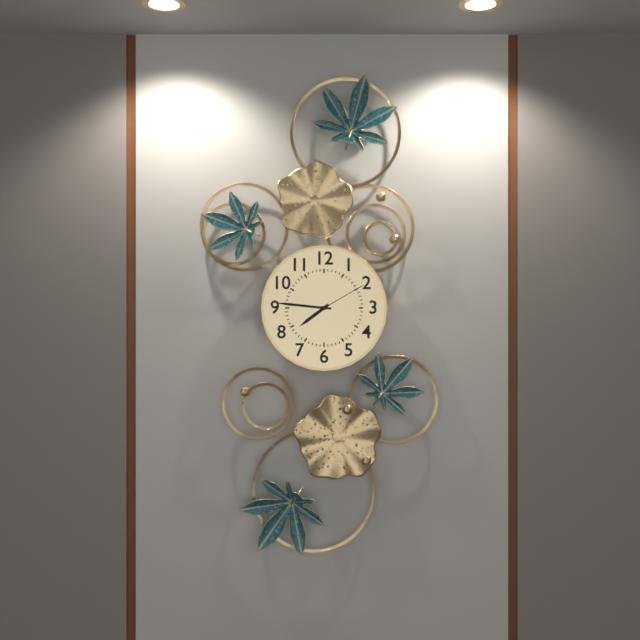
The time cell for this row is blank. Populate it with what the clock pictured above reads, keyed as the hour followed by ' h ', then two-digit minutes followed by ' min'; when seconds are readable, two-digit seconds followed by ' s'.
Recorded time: 7 h 46 min 10 s
